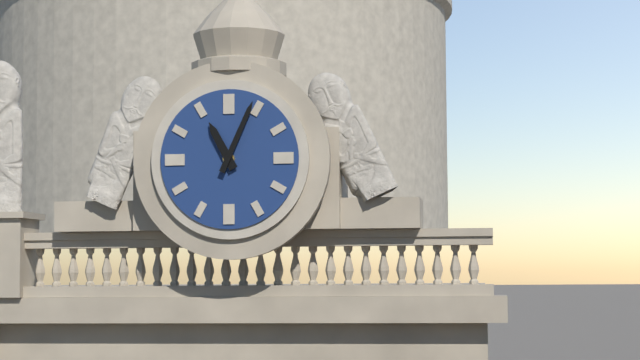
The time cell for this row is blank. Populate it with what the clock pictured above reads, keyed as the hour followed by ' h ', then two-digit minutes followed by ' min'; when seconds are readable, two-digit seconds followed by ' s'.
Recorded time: 11 h 04 min
